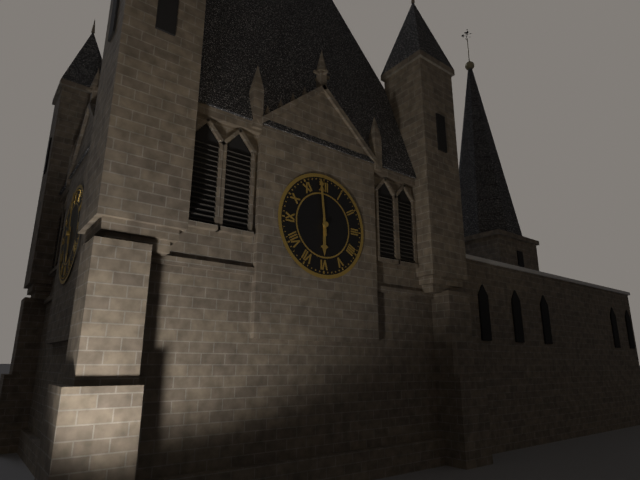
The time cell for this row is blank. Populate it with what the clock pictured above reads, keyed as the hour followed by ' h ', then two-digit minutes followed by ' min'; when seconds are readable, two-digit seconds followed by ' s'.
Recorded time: 5 h 59 min
